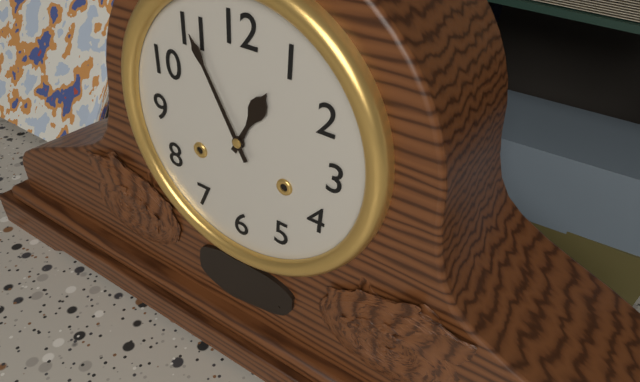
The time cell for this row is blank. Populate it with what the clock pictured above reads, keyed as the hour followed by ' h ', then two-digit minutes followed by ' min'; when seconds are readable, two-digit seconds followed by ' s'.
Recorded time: 12 h 55 min
